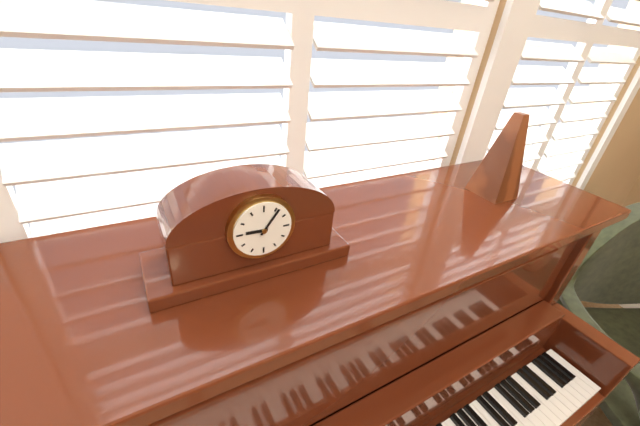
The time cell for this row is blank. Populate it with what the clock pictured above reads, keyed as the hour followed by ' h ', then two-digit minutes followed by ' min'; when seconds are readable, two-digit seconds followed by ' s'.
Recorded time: 9 h 06 min
